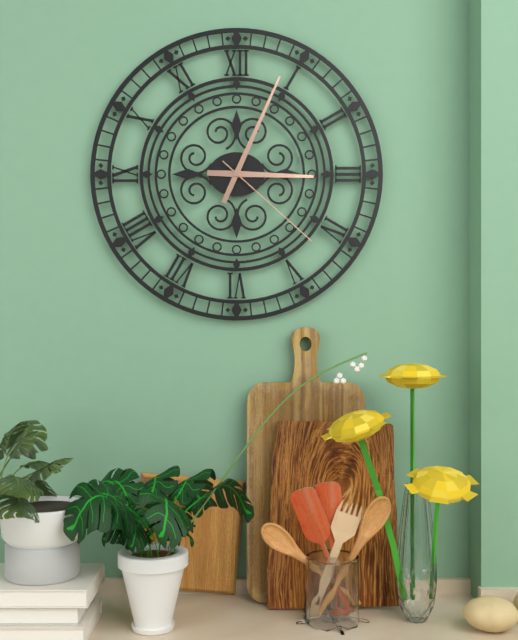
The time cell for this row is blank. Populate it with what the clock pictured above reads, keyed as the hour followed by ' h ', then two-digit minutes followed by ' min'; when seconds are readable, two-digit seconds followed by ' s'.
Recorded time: 3 h 04 min 22 s
